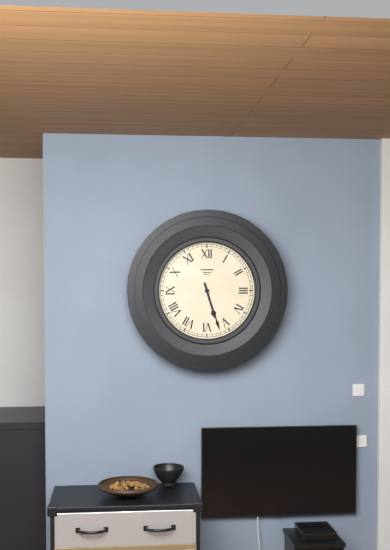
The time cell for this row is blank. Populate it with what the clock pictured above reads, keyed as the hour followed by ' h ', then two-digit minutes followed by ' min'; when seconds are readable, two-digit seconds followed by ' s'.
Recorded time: 5 h 27 min
